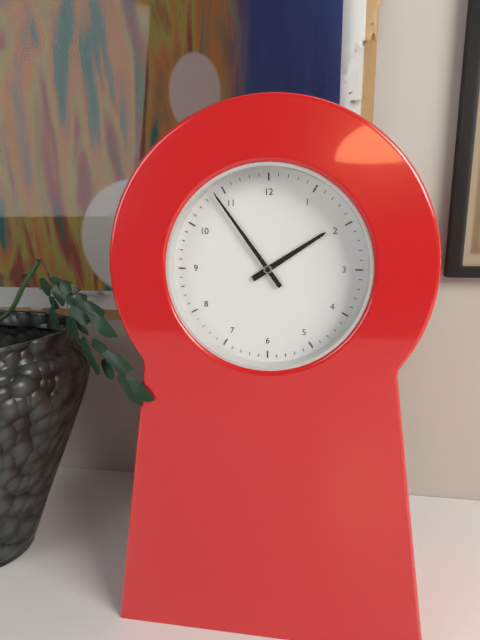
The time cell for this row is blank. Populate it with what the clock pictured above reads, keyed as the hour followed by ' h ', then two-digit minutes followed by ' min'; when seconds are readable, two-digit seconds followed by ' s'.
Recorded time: 1 h 54 min
